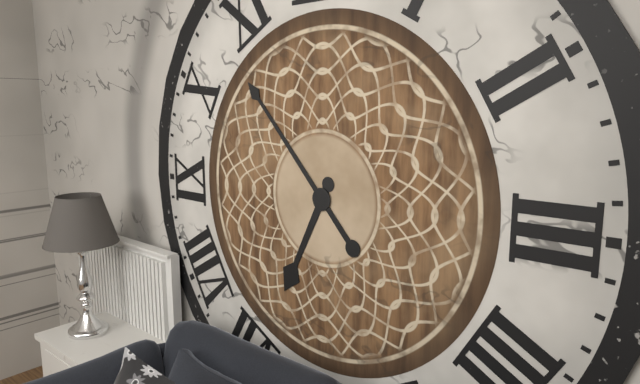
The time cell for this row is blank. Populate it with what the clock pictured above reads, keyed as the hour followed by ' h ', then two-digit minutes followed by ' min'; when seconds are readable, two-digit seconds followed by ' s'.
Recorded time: 6 h 53 min
